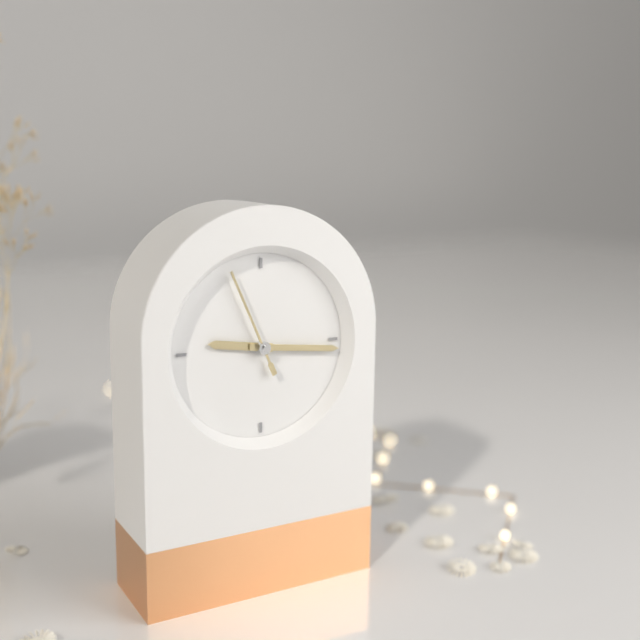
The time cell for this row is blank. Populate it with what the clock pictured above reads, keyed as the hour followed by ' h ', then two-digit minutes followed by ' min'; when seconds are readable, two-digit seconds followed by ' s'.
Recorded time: 9 h 16 min 56 s
